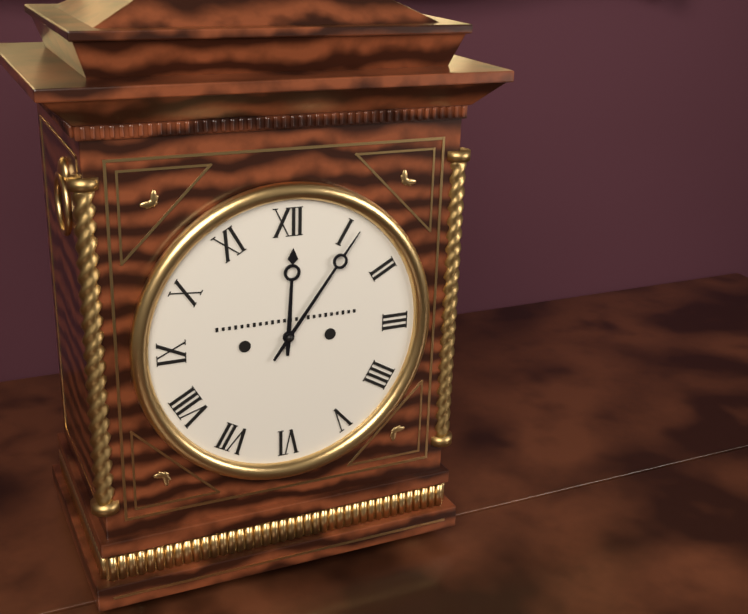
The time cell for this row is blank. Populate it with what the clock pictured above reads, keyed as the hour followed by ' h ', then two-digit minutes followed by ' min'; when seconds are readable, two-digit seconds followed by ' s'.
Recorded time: 12 h 06 min
